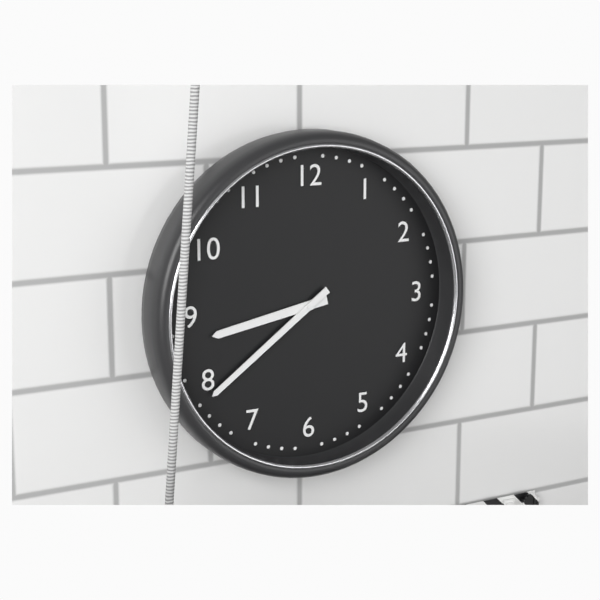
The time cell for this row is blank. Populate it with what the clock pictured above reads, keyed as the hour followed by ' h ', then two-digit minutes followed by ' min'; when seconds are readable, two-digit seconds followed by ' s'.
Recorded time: 8 h 39 min
